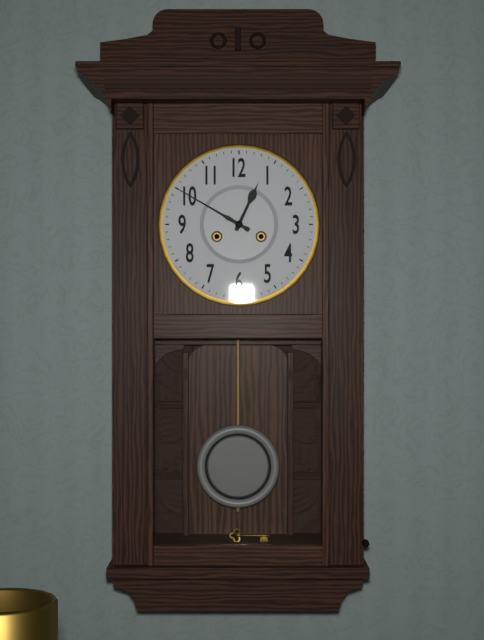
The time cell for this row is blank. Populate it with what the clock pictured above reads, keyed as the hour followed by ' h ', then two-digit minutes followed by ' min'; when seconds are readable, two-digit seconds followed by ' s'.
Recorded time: 12 h 50 min
